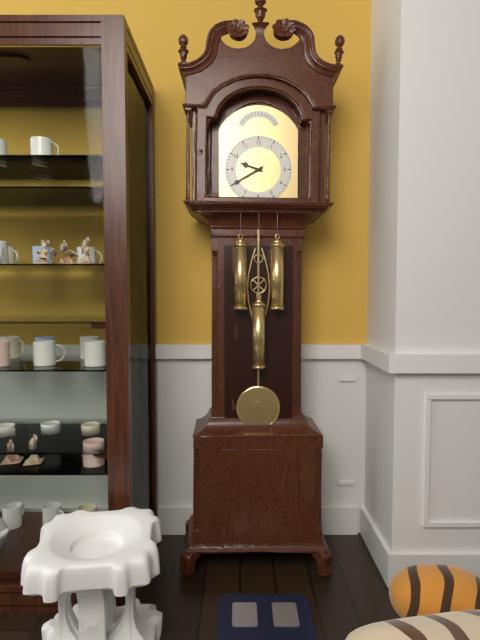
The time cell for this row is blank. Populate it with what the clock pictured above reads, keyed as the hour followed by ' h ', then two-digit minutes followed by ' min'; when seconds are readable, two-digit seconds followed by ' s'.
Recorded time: 9 h 40 min
